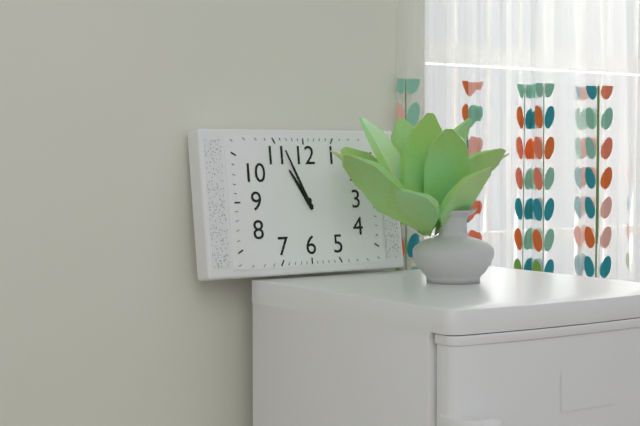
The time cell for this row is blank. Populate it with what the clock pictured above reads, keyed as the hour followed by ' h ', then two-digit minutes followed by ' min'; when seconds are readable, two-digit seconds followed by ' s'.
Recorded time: 10 h 56 min
